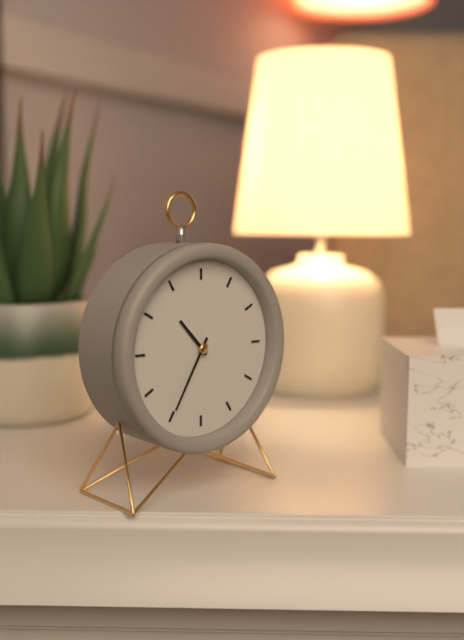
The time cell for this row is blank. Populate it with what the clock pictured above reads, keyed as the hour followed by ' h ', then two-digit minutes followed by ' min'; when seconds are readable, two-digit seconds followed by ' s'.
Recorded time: 10 h 35 min
